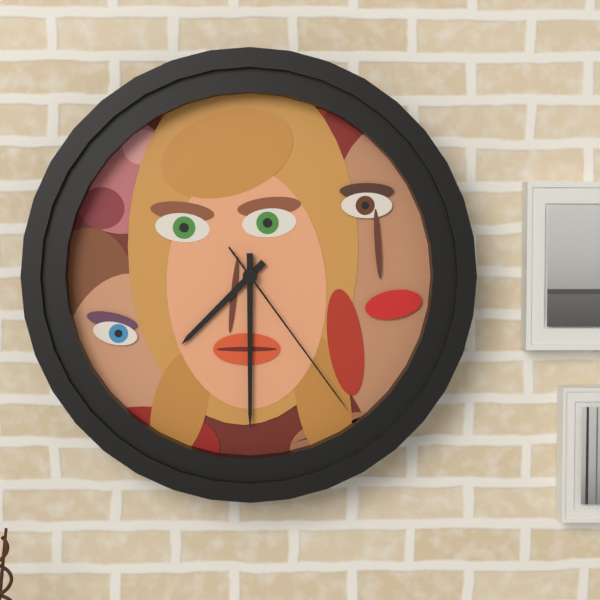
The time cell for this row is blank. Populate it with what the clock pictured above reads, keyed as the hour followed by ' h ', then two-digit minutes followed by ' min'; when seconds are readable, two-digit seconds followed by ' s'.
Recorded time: 7 h 30 min 24 s
